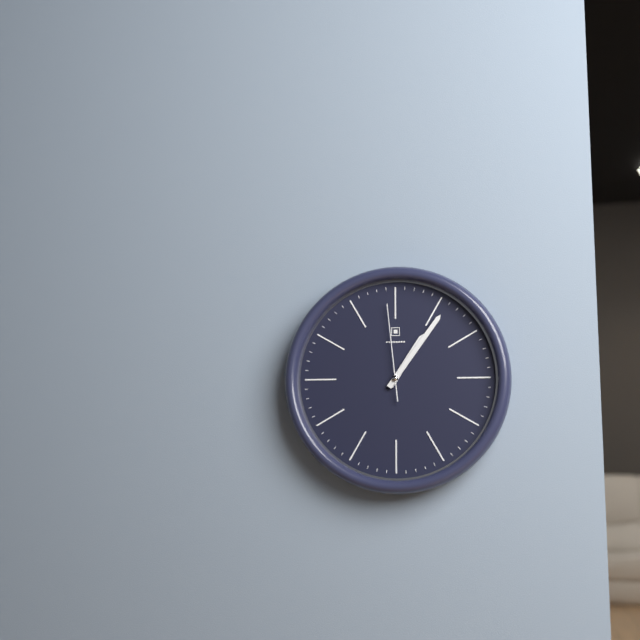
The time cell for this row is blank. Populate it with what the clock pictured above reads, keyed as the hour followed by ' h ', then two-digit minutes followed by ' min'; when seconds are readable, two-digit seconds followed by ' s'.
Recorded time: 1 h 06 min 59 s
